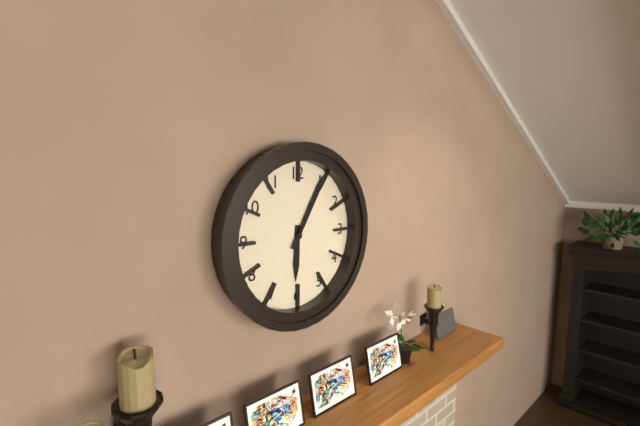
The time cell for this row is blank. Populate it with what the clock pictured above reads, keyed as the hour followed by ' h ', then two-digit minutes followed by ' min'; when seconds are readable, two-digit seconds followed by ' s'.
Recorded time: 6 h 05 min
